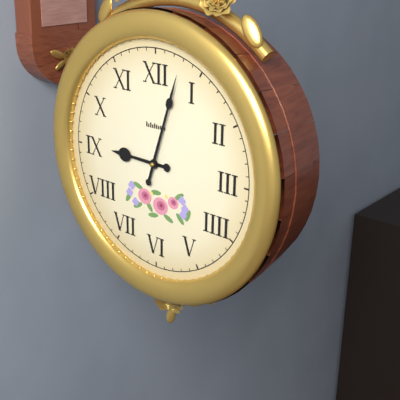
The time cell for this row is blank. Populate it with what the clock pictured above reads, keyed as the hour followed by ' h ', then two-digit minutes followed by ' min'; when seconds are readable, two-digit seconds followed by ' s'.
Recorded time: 9 h 03 min
